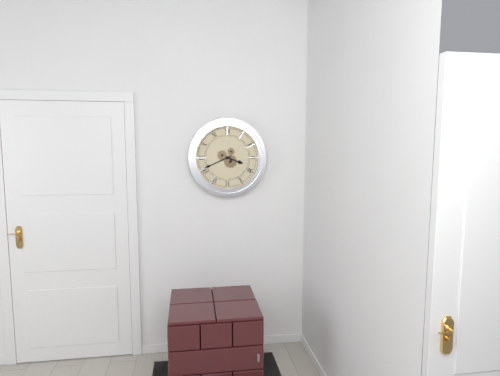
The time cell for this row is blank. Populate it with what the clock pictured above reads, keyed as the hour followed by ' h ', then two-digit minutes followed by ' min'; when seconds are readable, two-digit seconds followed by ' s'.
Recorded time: 3 h 41 min
